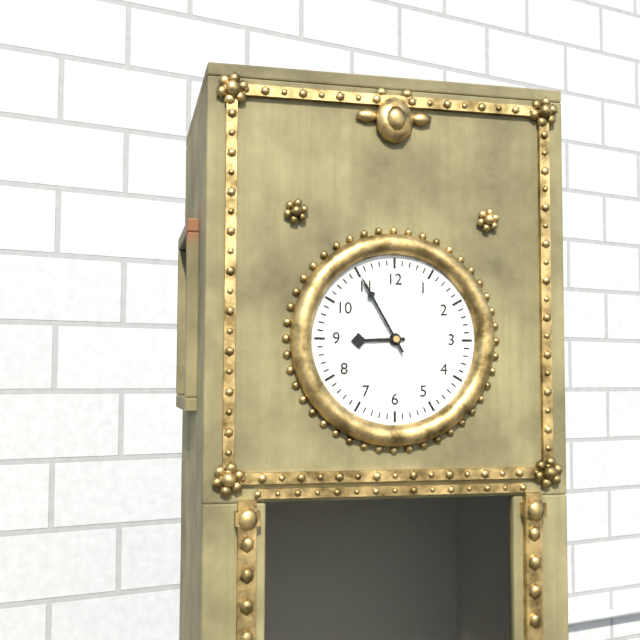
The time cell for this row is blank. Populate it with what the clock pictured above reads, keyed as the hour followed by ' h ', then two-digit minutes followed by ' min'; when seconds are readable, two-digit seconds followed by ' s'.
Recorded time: 8 h 55 min
